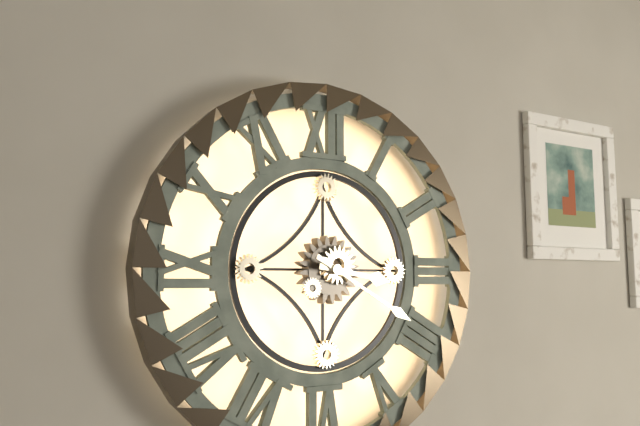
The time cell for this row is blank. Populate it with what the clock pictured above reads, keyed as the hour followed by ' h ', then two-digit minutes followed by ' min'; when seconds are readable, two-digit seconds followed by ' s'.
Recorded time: 3 h 20 min
